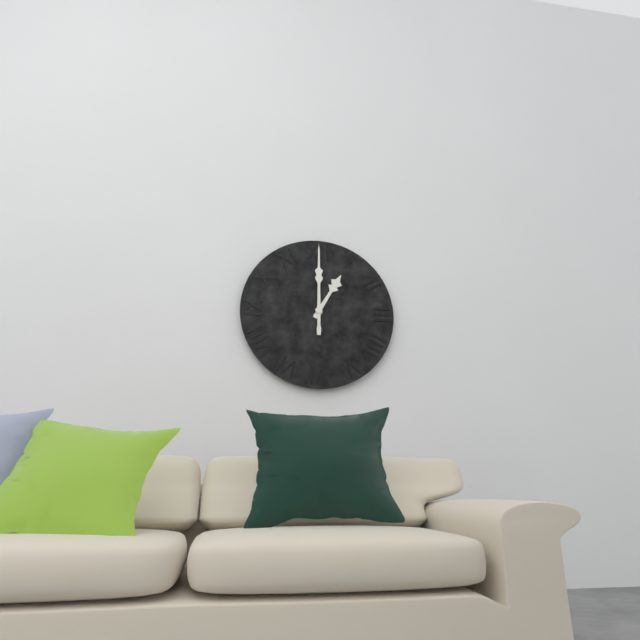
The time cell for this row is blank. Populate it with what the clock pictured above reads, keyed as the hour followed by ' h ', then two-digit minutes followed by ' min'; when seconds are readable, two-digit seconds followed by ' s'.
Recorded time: 1 h 00 min
